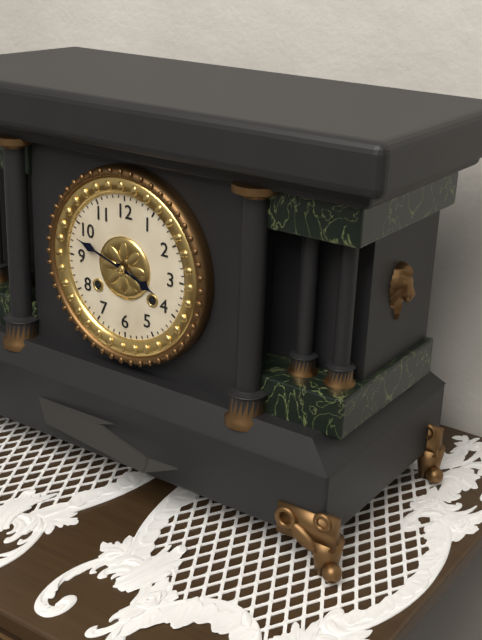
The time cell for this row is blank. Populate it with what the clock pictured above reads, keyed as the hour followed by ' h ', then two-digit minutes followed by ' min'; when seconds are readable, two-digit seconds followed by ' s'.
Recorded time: 3 h 48 min
